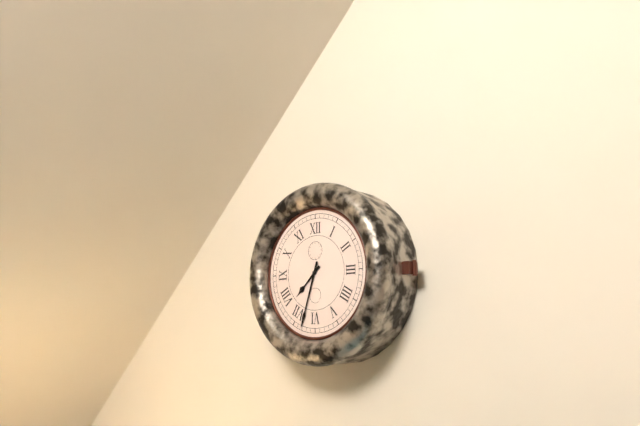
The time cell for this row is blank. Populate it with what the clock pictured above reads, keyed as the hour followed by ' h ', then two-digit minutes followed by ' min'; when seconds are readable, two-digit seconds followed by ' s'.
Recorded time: 7 h 33 min
